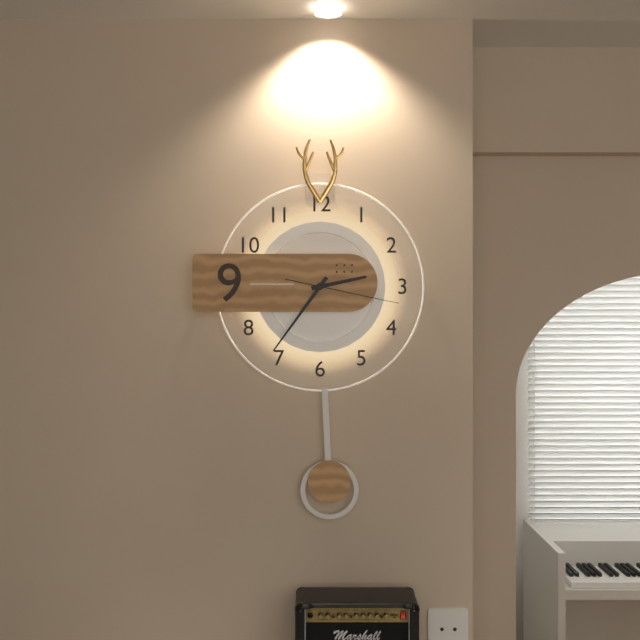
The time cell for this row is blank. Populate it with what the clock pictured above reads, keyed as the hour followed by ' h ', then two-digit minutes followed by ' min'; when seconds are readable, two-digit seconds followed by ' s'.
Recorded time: 2 h 36 min 17 s
